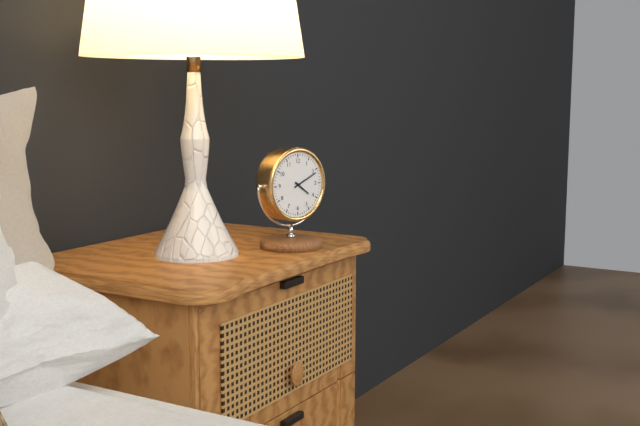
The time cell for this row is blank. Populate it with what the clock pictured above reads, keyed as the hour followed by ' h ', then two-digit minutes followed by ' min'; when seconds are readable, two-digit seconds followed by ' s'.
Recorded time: 4 h 11 min
